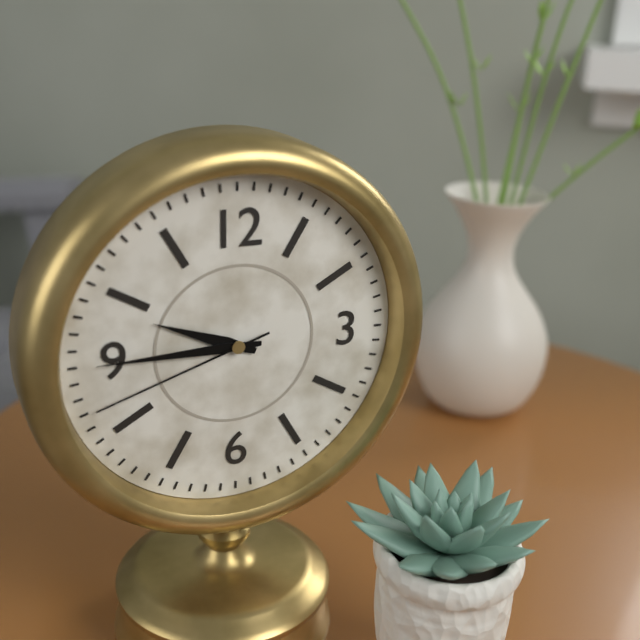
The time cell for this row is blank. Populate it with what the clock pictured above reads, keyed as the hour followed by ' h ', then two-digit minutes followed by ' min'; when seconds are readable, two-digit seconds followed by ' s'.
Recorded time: 9 h 45 min 42 s
